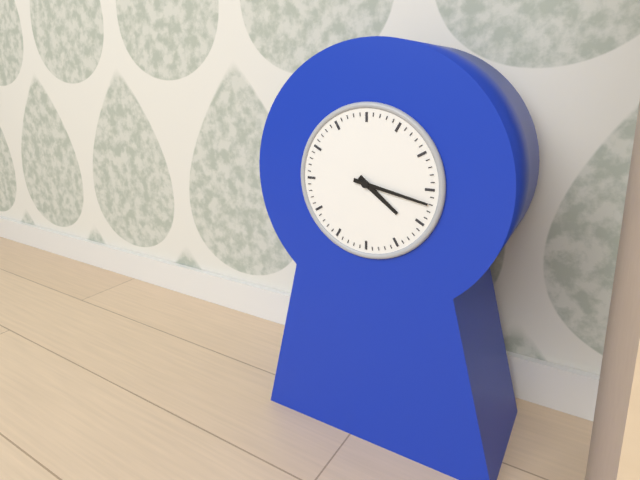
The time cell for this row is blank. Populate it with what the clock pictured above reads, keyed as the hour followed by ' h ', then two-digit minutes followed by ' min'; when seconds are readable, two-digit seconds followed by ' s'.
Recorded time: 4 h 17 min
